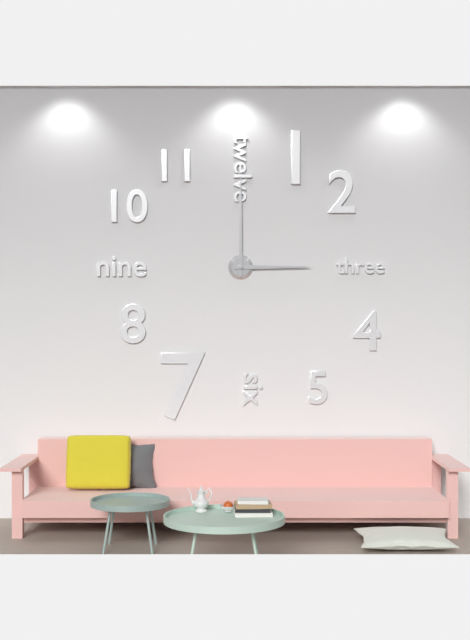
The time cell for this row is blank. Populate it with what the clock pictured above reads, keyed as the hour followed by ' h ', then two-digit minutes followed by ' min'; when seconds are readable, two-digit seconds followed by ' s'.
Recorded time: 3 h 00 min
